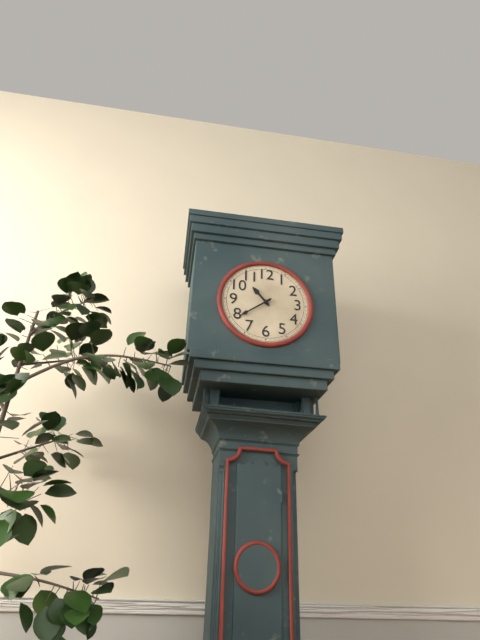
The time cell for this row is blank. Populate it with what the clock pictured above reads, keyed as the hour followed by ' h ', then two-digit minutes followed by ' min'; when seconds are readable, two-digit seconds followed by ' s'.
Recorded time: 10 h 39 min
